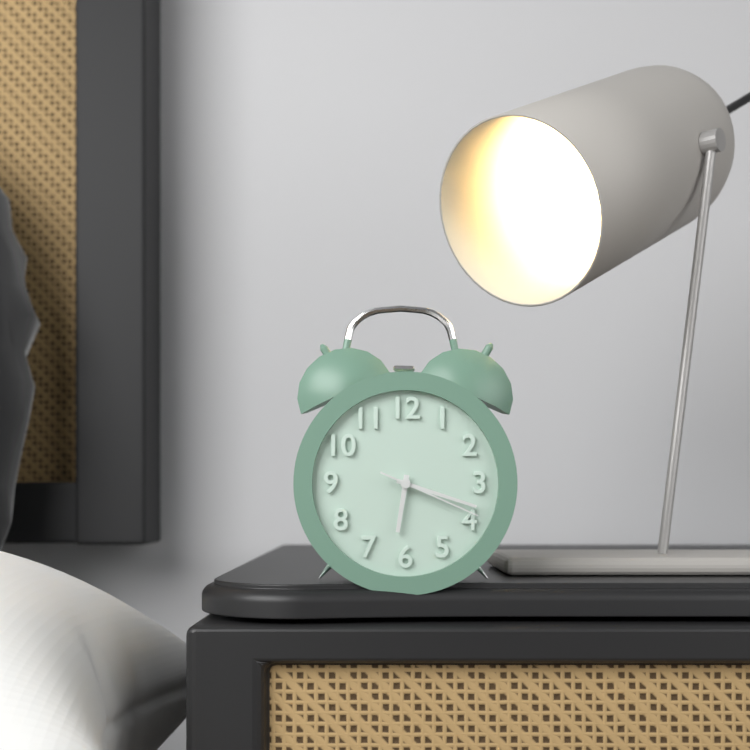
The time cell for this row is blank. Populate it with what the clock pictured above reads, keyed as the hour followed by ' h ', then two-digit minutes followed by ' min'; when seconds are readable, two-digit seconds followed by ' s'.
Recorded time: 6 h 18 min 19 s
